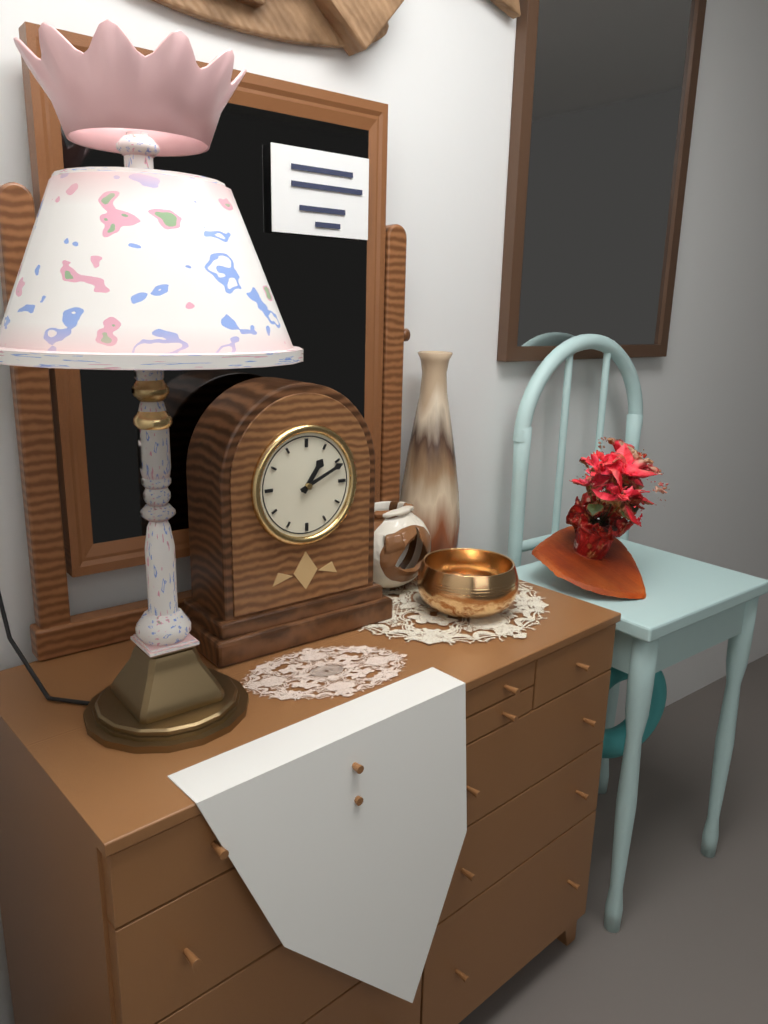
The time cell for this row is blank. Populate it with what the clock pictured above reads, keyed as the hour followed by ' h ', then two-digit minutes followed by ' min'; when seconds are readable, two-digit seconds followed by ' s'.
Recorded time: 1 h 11 min
